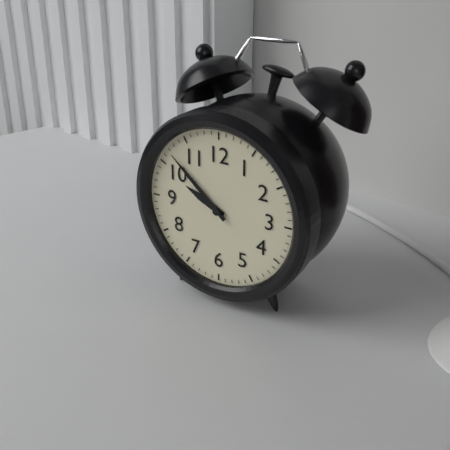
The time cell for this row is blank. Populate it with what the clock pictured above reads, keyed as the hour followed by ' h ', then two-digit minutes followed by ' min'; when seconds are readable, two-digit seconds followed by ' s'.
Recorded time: 9 h 52 min
